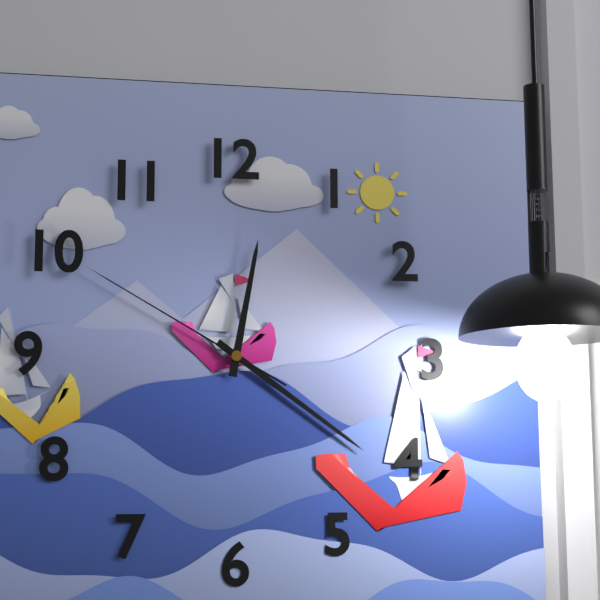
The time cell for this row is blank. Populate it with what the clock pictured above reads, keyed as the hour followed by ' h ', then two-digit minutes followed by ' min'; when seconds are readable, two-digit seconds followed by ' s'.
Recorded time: 12 h 21 min 50 s
